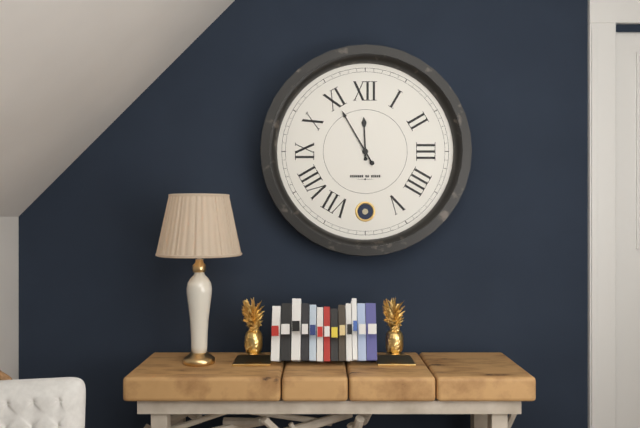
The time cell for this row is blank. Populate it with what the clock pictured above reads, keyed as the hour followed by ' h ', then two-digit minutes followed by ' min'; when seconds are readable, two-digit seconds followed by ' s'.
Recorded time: 11 h 55 min
